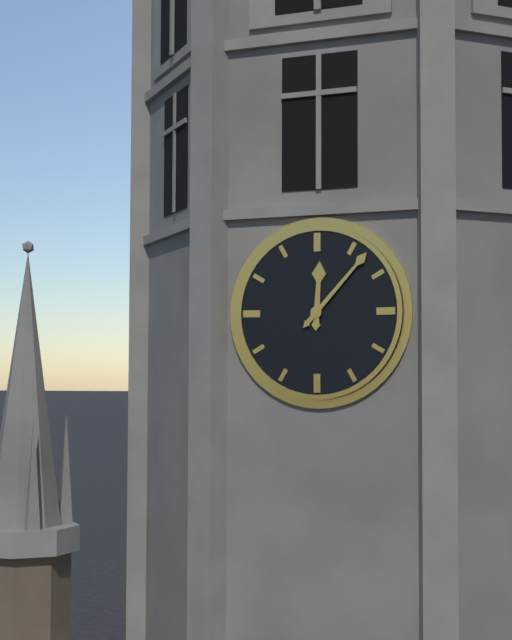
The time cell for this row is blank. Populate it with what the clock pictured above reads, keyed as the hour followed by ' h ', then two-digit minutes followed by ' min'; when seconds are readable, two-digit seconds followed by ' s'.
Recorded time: 12 h 07 min
